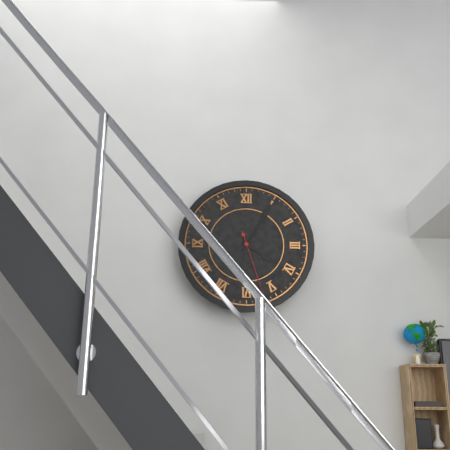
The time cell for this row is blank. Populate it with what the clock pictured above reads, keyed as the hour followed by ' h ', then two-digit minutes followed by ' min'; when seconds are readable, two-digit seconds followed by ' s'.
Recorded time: 4 h 05 min 27 s
